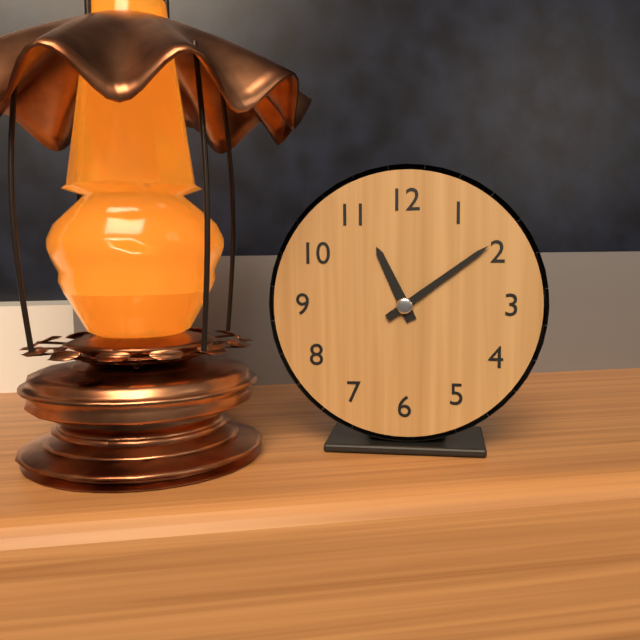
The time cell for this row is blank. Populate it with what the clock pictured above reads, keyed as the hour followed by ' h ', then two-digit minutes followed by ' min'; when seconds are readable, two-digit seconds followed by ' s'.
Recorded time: 11 h 09 min
